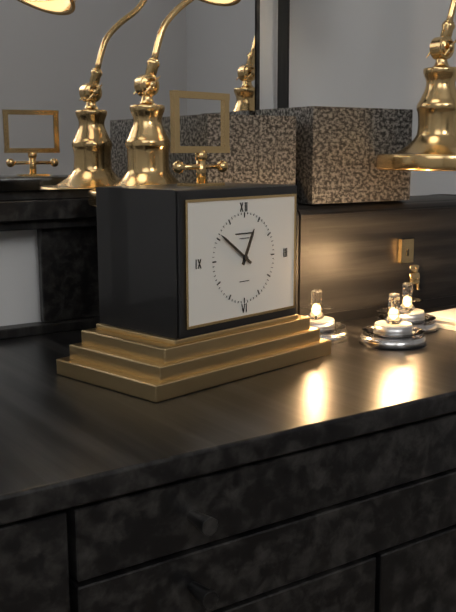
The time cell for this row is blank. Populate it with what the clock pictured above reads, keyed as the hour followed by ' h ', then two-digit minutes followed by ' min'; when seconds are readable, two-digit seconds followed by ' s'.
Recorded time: 12 h 51 min
